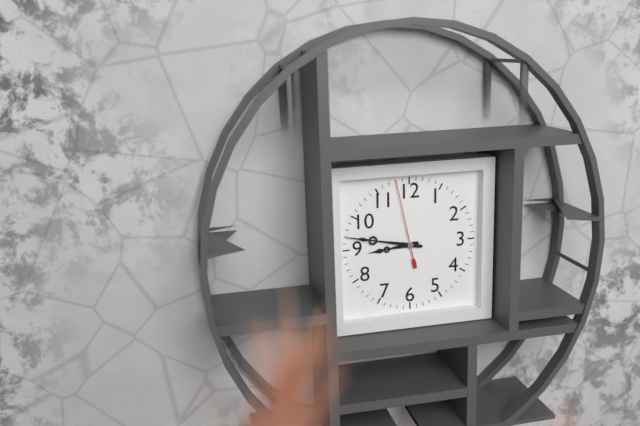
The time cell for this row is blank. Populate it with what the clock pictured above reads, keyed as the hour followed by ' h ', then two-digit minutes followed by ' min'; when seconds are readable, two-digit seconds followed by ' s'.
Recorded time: 8 h 47 min 58 s
